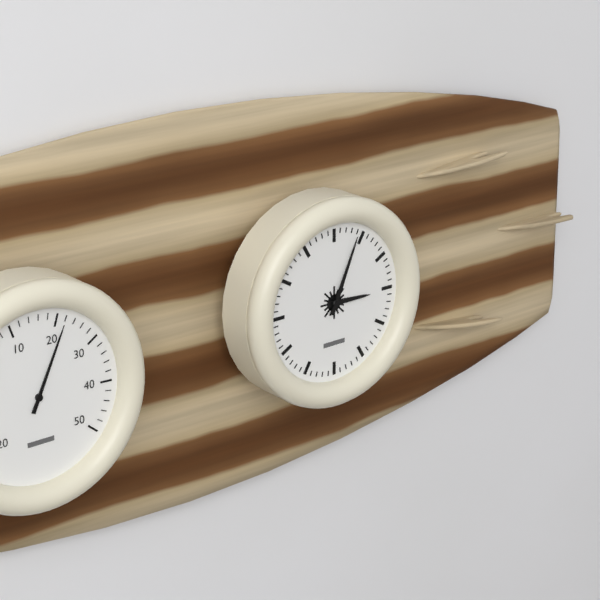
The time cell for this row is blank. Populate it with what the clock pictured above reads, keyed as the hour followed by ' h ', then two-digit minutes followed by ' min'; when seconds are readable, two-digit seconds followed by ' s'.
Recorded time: 3 h 04 min
